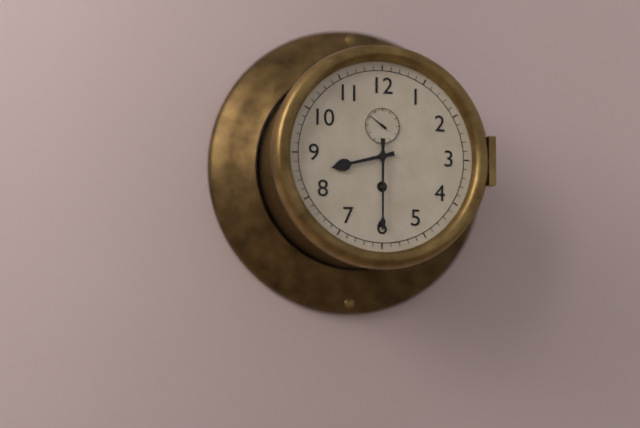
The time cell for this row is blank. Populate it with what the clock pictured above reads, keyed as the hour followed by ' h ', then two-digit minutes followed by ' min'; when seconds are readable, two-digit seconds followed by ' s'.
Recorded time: 8 h 30 min
